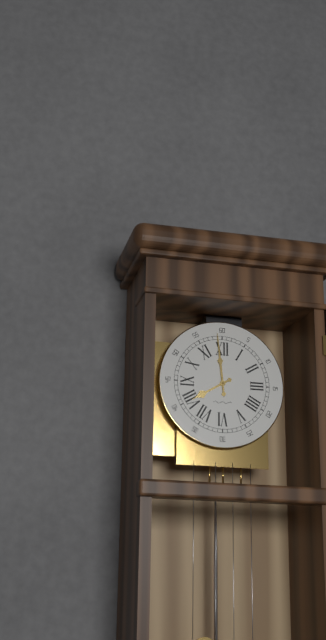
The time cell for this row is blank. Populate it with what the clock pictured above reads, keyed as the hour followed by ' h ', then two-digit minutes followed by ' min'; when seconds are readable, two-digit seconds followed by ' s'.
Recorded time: 7 h 59 min
